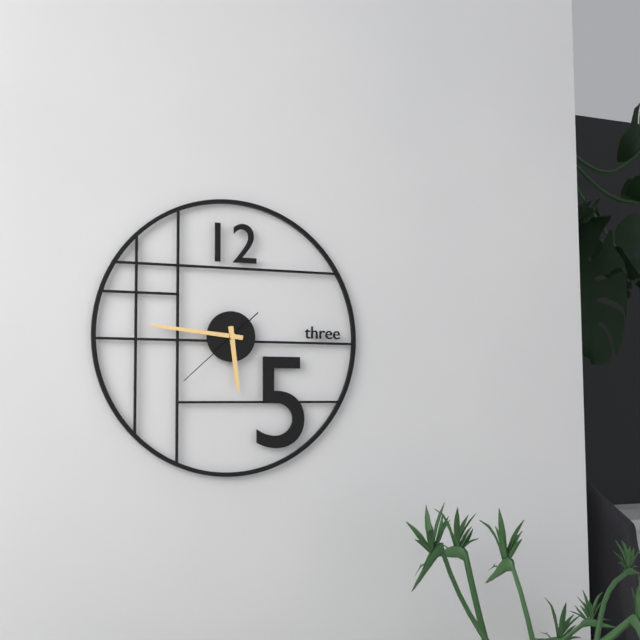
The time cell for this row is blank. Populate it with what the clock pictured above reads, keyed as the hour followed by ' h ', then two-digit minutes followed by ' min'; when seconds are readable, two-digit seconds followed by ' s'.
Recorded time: 5 h 46 min 38 s
